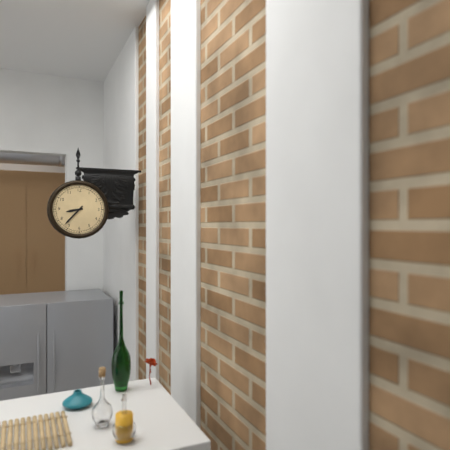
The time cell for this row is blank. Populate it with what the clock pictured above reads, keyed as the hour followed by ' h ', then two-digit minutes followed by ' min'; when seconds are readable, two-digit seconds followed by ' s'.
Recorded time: 8 h 37 min
